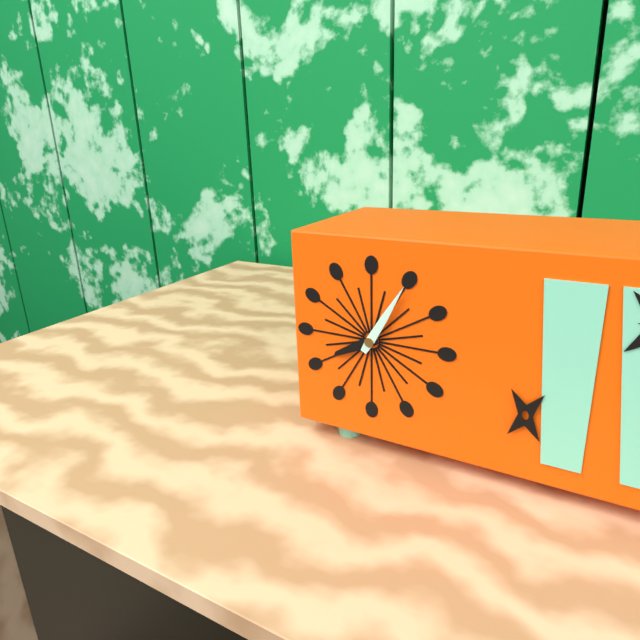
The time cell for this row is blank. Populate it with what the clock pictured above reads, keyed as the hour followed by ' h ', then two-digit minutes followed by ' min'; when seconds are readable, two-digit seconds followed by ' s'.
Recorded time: 8 h 05 min
